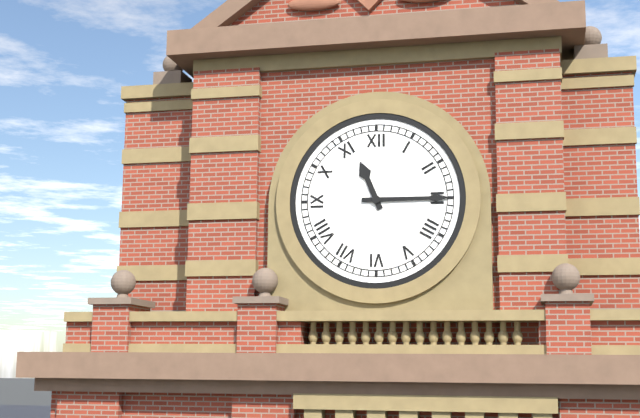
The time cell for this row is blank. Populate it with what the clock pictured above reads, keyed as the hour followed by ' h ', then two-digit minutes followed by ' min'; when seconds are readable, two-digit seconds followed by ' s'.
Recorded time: 11 h 15 min
